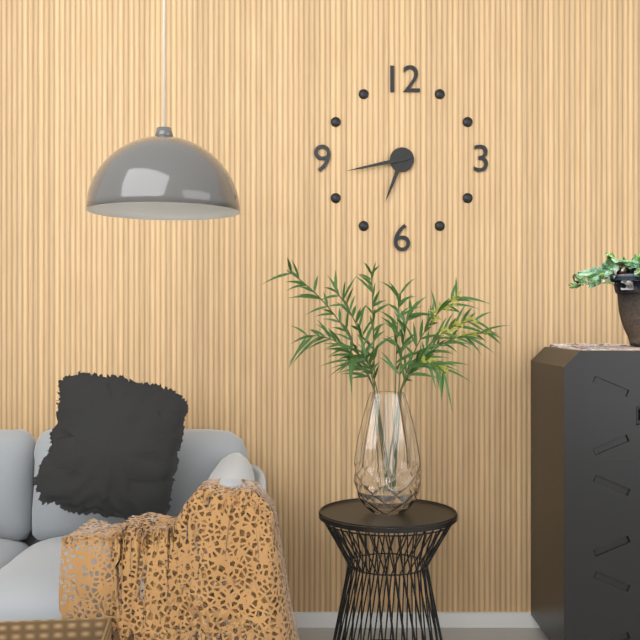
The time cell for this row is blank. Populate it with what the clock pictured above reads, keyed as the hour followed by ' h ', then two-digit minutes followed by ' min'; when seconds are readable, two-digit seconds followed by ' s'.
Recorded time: 6 h 43 min
